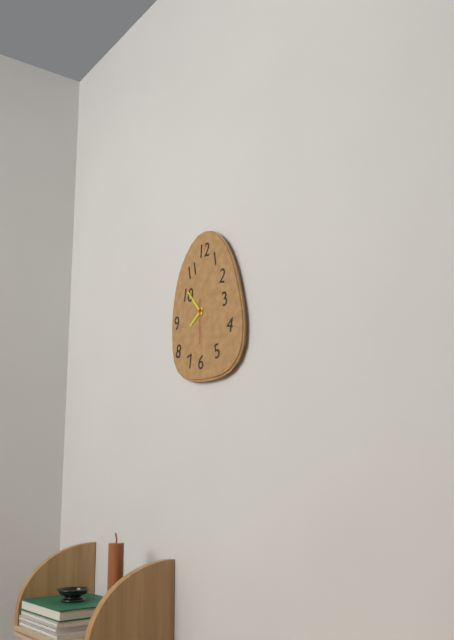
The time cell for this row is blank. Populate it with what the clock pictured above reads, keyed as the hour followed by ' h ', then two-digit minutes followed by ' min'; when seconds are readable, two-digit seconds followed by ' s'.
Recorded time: 7 h 53 min
